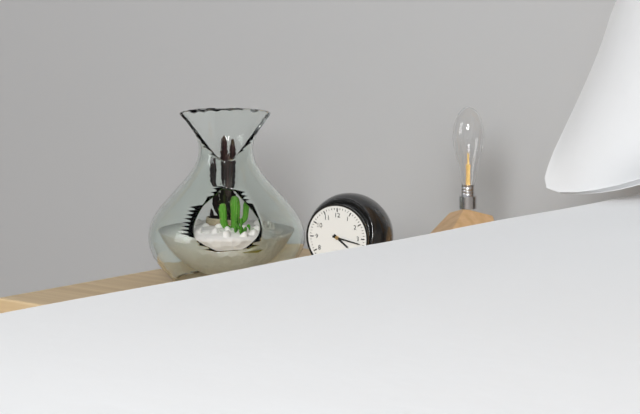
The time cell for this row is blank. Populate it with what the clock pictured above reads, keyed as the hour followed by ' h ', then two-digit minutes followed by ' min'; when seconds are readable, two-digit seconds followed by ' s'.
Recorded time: 4 h 17 min
